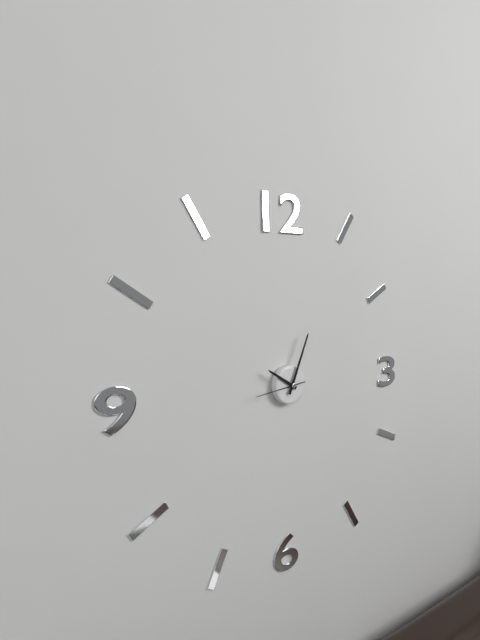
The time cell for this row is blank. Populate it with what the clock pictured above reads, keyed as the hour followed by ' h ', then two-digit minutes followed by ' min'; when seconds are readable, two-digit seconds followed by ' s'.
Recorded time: 10 h 04 min
